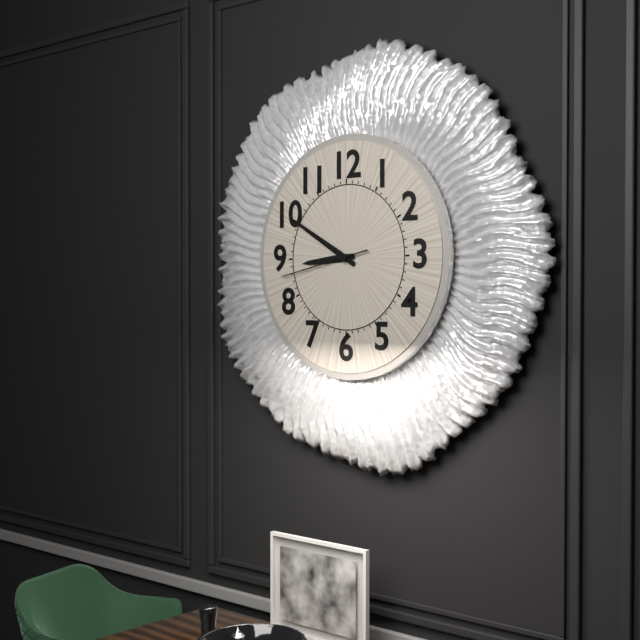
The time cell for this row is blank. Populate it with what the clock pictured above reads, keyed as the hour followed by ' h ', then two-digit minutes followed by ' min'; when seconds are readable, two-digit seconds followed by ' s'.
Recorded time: 8 h 50 min 43 s
